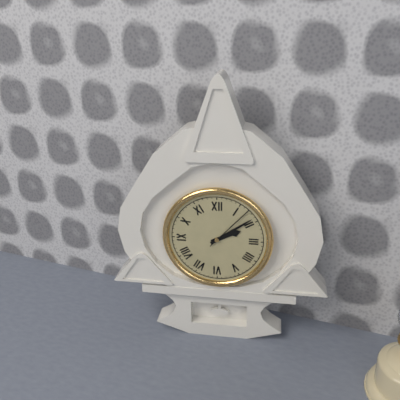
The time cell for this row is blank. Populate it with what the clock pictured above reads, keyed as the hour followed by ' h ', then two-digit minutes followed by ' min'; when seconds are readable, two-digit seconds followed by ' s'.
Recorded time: 2 h 09 min
